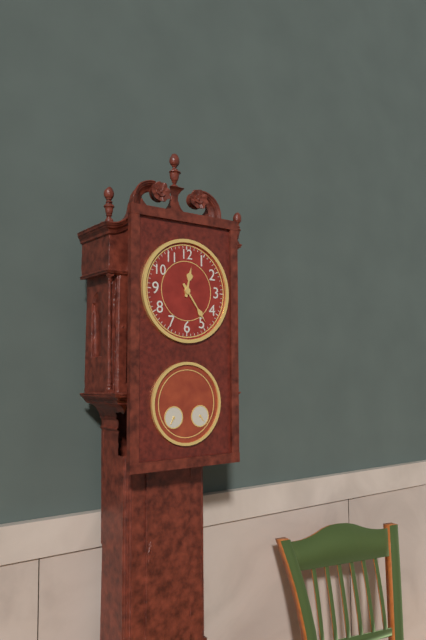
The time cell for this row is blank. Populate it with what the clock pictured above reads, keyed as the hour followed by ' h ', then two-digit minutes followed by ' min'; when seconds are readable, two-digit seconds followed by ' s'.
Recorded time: 12 h 24 min
